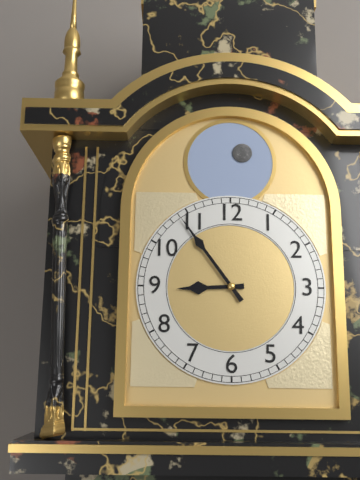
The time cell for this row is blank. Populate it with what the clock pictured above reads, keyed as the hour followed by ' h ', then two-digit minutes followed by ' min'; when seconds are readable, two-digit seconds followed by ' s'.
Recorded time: 8 h 54 min
